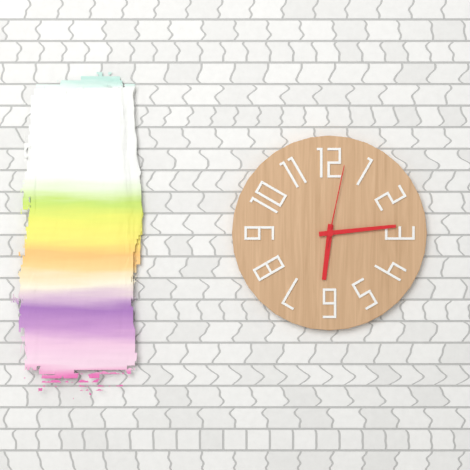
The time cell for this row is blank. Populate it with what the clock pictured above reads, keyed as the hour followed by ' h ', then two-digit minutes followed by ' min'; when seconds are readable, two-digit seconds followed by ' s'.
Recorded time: 6 h 14 min 02 s
